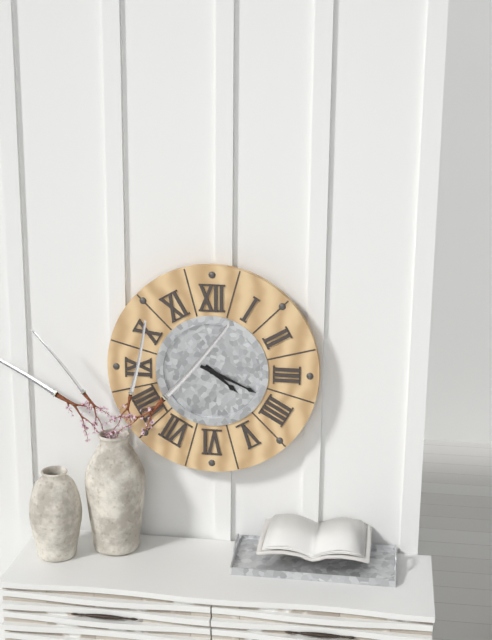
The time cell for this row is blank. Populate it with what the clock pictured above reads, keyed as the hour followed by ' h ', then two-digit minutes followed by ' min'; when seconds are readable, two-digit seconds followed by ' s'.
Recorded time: 4 h 19 min
